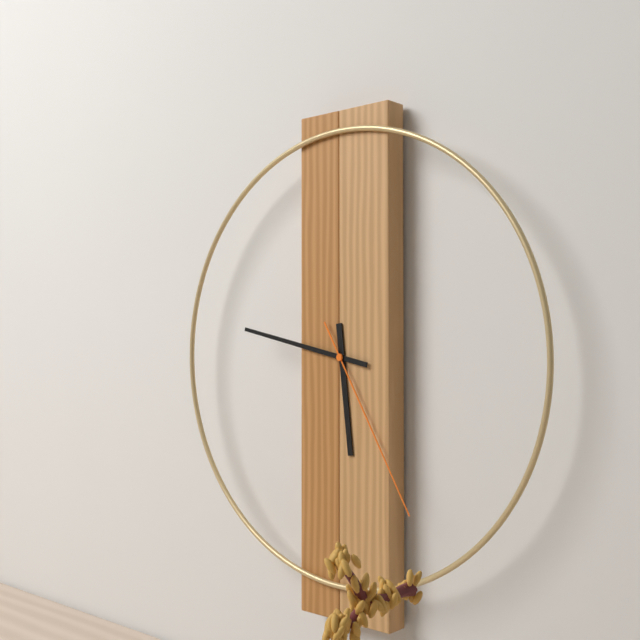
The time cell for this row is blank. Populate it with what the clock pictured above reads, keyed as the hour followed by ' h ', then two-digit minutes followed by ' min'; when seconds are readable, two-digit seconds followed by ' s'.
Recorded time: 5 h 47 min 25 s
